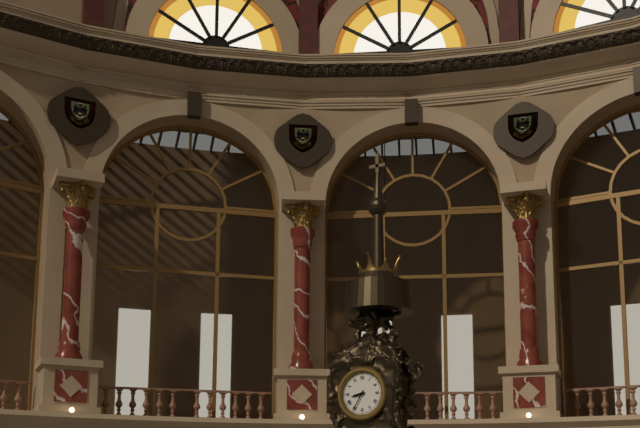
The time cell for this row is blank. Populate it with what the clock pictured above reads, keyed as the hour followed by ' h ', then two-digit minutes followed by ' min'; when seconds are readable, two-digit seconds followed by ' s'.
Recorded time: 8 h 35 min
